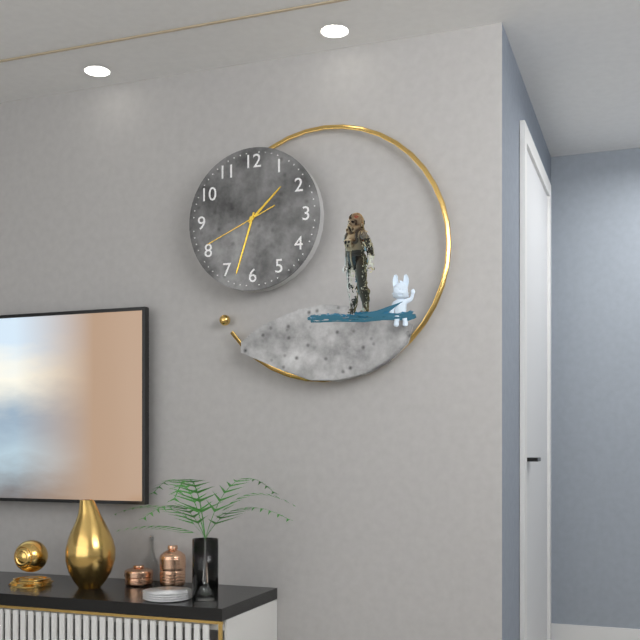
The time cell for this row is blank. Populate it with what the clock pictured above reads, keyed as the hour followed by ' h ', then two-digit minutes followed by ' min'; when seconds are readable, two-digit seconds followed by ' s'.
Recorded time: 1 h 33 min 41 s
